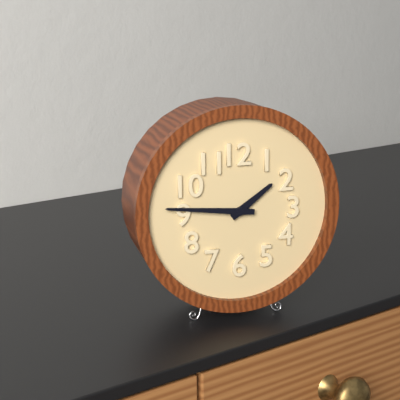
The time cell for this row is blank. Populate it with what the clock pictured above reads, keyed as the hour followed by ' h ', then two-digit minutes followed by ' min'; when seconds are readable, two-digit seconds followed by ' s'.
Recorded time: 1 h 46 min
